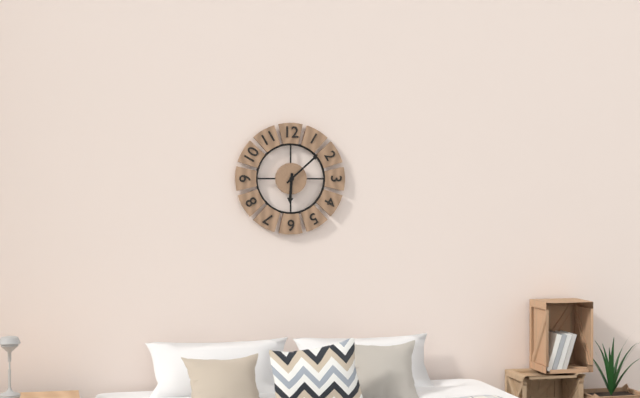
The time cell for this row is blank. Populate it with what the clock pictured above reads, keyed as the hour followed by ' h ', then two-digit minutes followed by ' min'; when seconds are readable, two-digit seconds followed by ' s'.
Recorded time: 6 h 08 min
